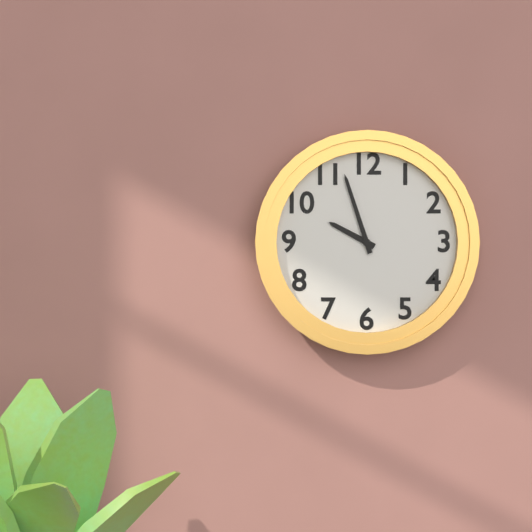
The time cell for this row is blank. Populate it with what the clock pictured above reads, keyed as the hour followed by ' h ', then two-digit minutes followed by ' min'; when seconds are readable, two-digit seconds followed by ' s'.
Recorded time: 9 h 57 min
